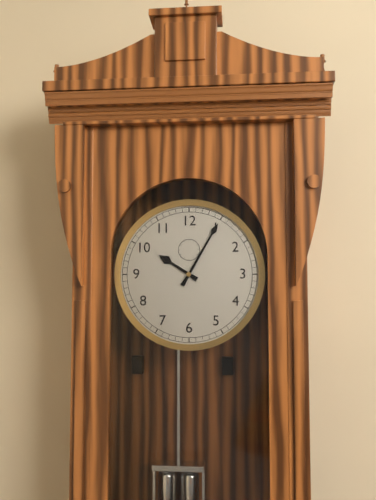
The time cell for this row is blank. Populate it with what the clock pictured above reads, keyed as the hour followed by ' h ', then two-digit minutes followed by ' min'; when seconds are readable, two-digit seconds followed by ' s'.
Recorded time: 10 h 05 min
